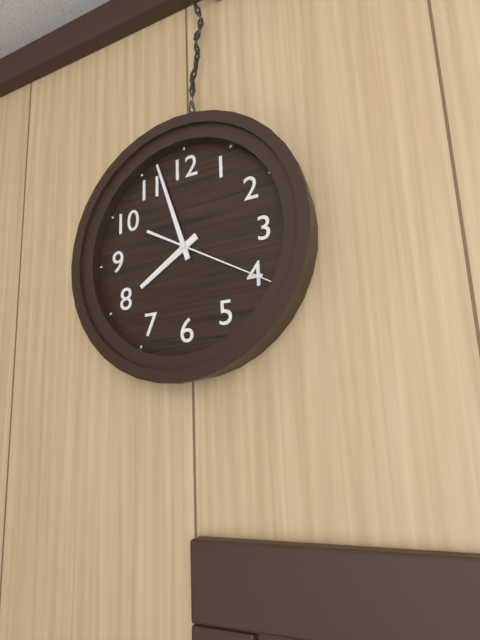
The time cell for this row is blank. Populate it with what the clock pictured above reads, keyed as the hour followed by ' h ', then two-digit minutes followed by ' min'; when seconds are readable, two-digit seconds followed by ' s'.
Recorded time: 7 h 57 min 20 s
